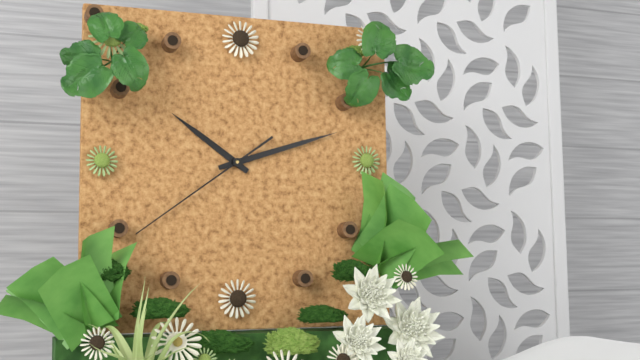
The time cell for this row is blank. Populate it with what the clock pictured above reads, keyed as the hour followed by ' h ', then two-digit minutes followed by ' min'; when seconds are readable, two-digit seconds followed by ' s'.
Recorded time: 10 h 12 min 39 s
